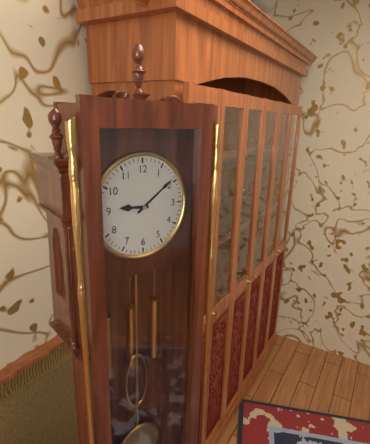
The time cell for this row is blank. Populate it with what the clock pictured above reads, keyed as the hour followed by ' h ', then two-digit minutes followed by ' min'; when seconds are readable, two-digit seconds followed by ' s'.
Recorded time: 9 h 09 min
